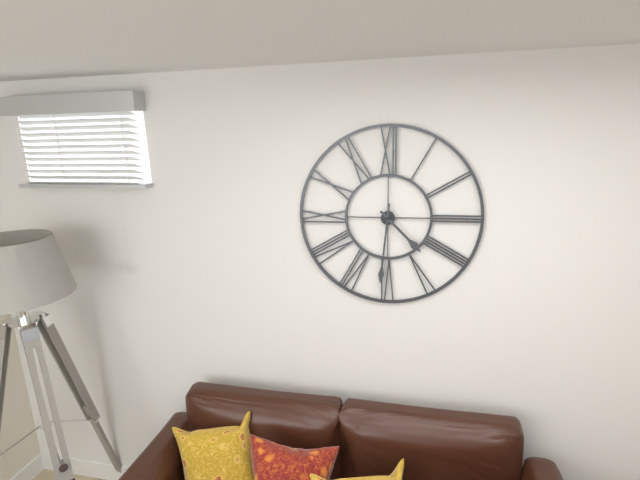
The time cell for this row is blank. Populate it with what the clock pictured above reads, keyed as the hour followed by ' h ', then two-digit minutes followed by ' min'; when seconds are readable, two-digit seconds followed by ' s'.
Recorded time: 4 h 31 min
